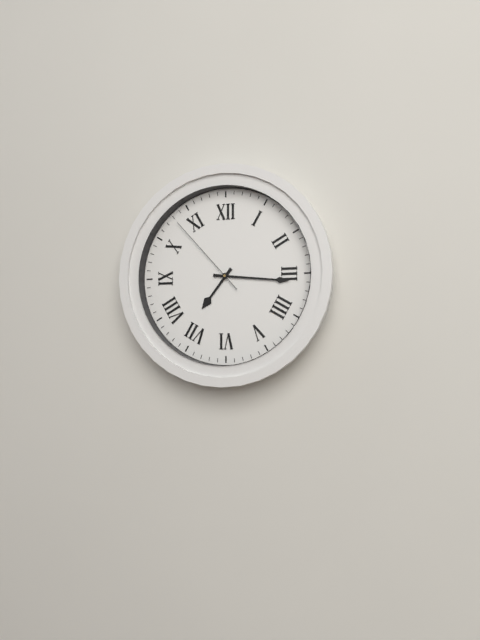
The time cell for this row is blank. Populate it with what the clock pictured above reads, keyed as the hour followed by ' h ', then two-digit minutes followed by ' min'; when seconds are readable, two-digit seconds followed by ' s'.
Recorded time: 7 h 16 min 53 s
